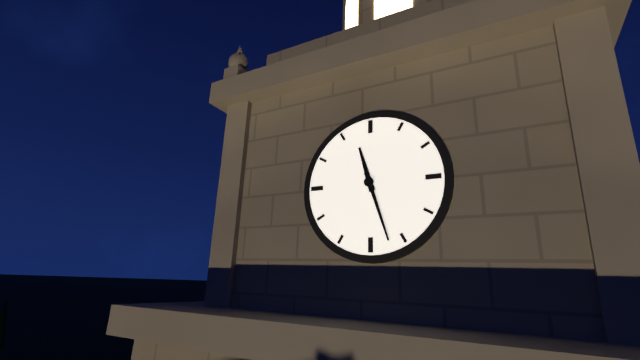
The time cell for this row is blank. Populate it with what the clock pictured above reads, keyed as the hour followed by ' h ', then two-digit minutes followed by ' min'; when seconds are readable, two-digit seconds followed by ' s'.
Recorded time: 11 h 27 min
